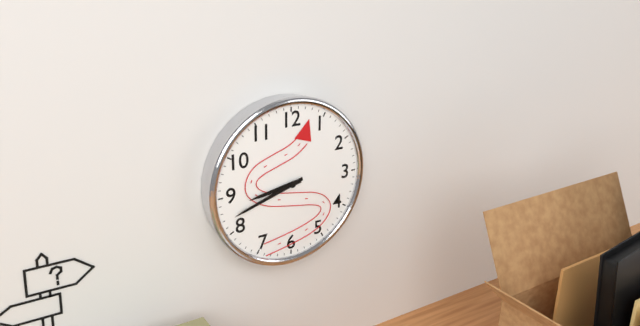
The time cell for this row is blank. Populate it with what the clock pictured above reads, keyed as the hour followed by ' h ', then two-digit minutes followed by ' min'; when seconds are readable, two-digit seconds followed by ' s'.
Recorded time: 8 h 42 min
